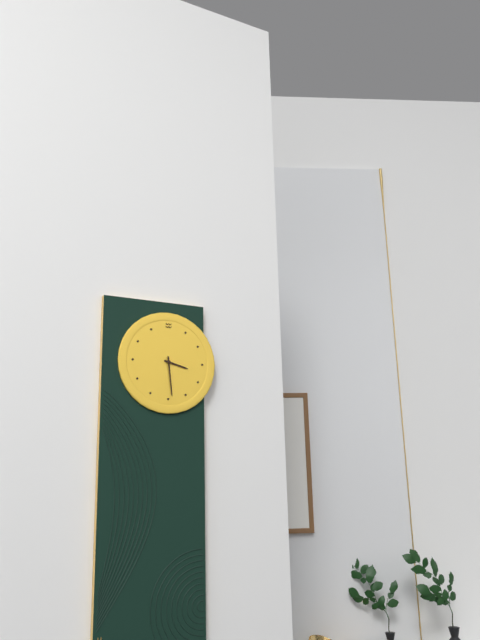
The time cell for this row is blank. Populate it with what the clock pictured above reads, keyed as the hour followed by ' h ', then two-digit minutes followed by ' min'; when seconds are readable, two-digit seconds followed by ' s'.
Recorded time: 3 h 29 min
